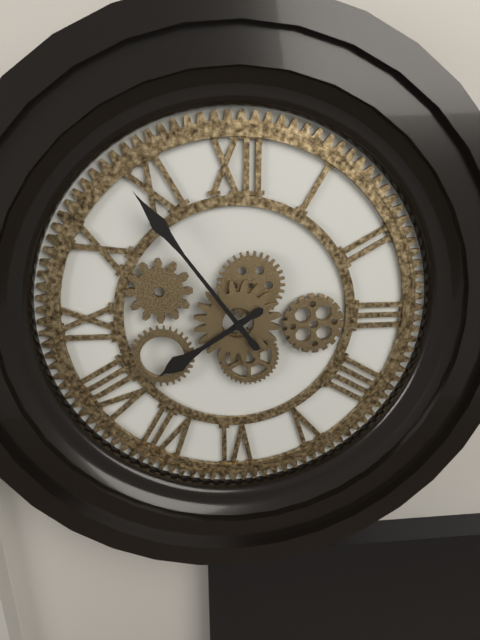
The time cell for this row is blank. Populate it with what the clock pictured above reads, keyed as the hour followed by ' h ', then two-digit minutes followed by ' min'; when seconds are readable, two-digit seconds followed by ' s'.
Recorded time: 7 h 54 min
